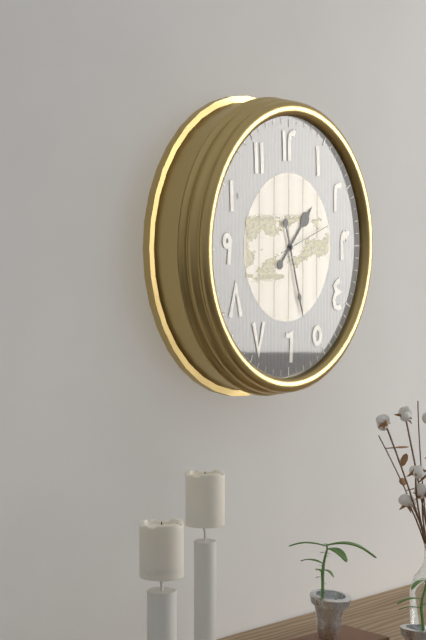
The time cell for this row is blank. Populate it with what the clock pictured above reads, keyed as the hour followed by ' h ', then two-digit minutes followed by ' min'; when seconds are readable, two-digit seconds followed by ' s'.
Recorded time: 1 h 27 min 12 s
